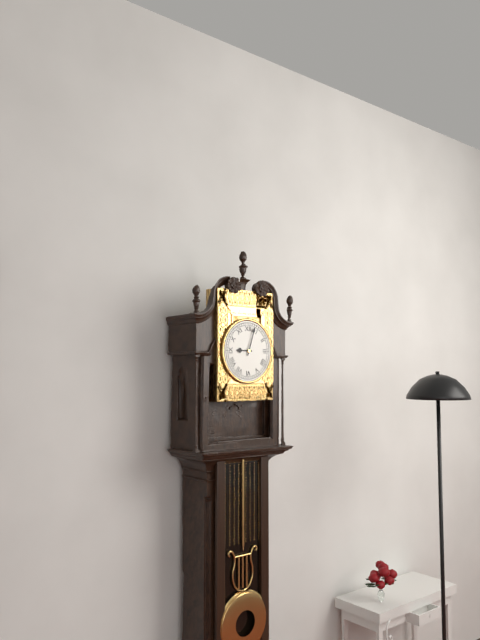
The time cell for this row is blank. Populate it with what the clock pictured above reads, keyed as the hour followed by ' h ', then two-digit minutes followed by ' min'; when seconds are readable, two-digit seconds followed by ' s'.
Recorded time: 9 h 03 min
